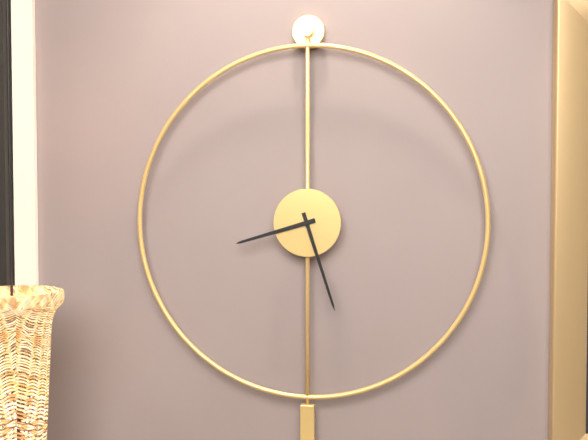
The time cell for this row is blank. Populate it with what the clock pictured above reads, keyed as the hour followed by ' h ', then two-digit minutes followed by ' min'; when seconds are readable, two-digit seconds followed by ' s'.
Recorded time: 8 h 27 min
